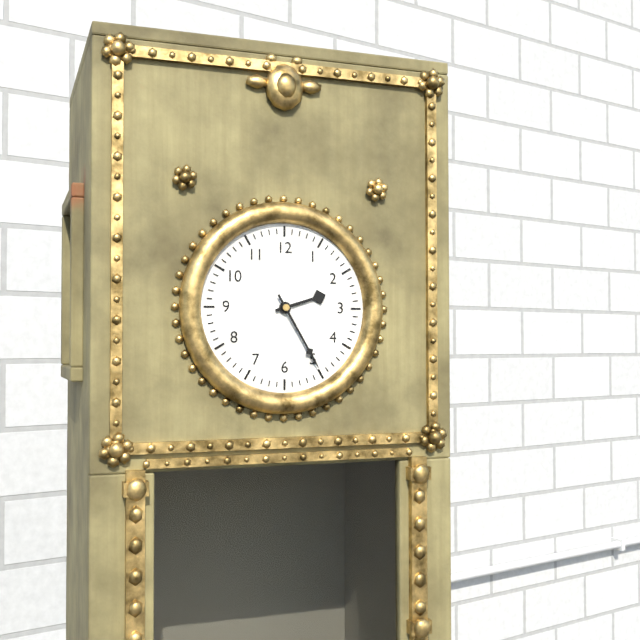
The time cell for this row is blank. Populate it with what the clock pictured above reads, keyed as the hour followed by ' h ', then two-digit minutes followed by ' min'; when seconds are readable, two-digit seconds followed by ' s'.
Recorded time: 2 h 25 min
